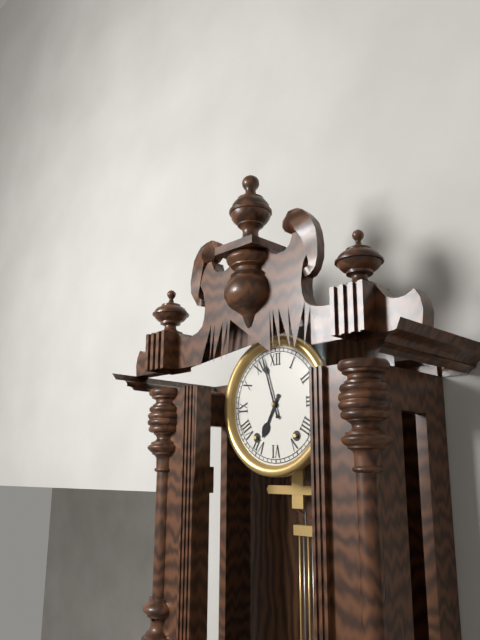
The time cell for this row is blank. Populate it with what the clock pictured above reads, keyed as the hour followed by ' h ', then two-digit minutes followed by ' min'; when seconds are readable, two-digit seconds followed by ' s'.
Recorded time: 6 h 57 min
